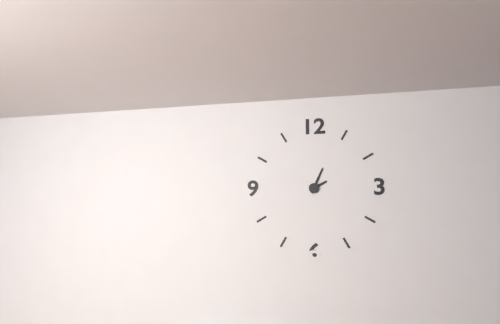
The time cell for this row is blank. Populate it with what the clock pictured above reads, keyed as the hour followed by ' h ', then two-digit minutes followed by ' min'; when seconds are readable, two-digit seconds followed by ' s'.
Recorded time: 2 h 04 min
